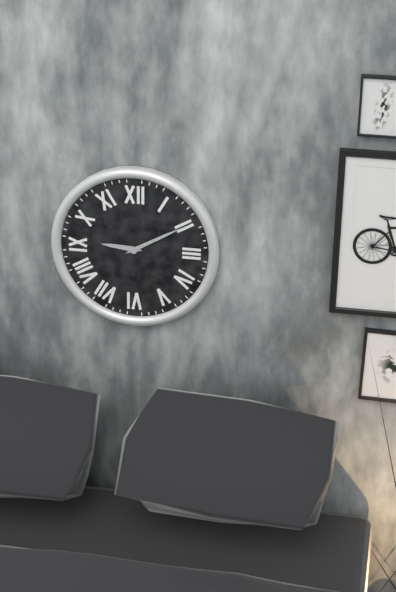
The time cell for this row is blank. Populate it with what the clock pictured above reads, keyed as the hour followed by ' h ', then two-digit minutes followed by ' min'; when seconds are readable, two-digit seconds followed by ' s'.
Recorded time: 9 h 10 min
